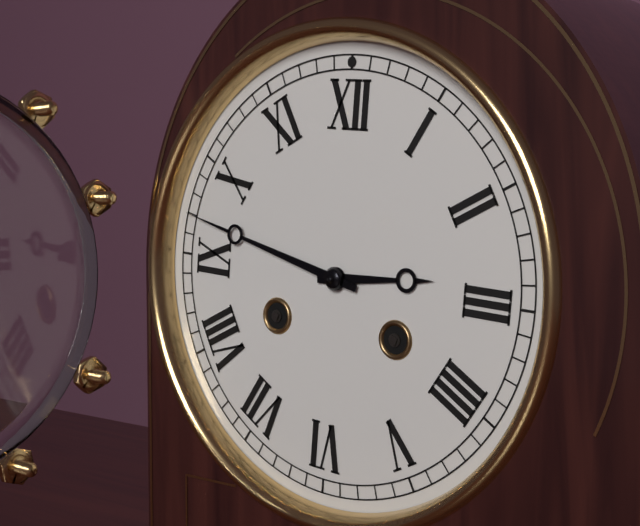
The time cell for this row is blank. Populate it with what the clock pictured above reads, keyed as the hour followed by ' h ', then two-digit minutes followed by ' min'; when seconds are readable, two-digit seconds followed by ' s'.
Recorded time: 2 h 47 min
